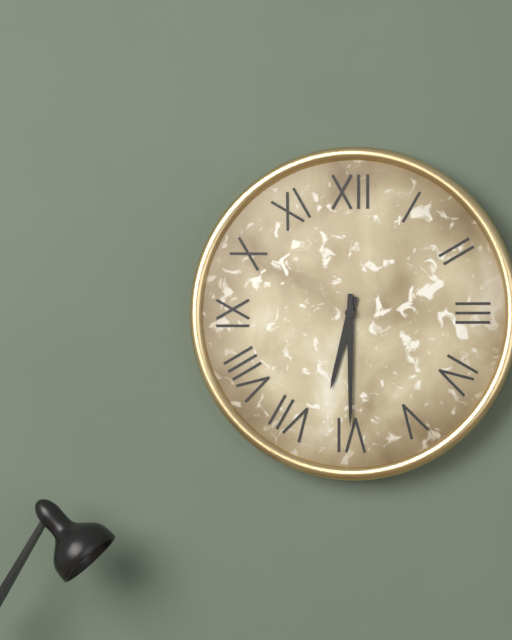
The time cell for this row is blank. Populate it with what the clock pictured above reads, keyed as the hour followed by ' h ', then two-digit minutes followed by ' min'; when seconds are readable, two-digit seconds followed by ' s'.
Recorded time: 6 h 30 min
